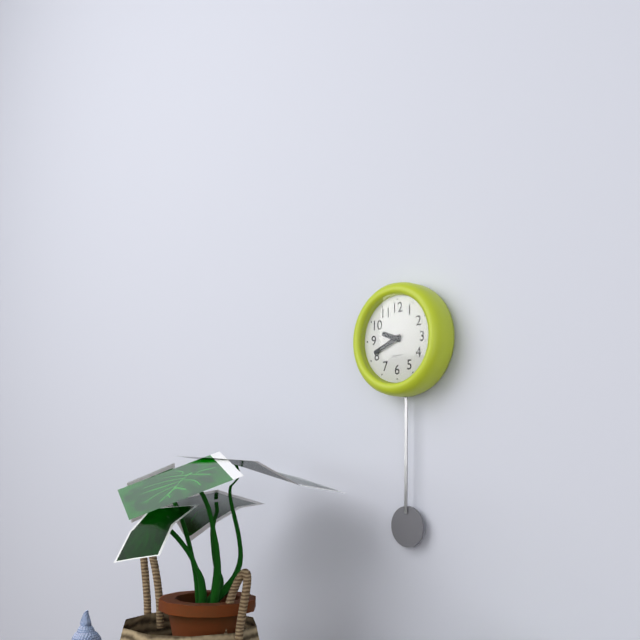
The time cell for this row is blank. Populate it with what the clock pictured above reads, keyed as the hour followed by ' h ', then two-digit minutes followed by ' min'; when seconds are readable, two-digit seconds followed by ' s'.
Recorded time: 9 h 41 min
